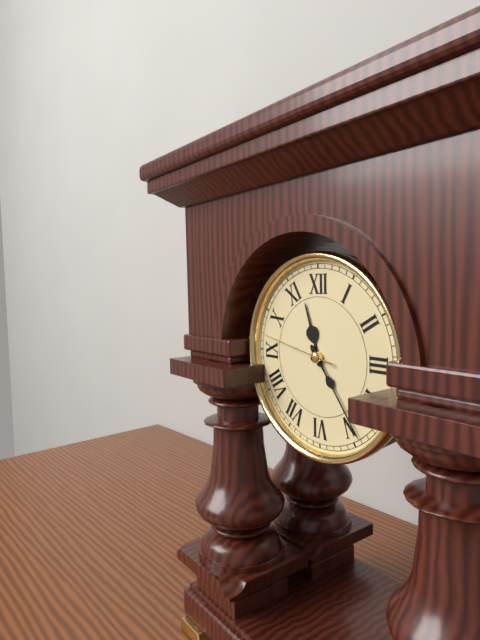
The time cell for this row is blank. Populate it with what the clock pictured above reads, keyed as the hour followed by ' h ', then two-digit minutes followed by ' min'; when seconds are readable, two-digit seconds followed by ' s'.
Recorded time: 11 h 24 min 47 s
